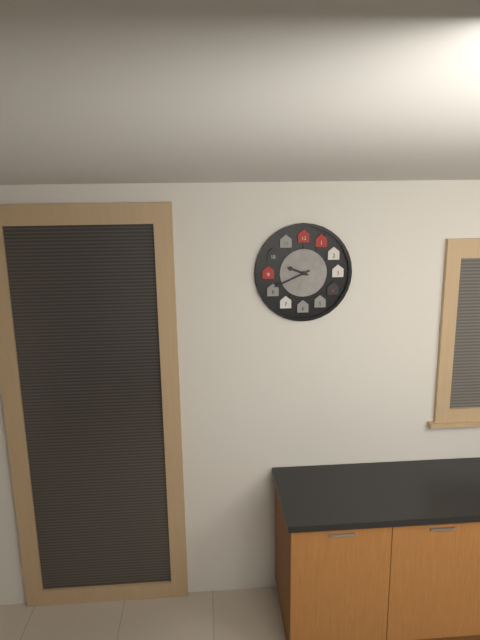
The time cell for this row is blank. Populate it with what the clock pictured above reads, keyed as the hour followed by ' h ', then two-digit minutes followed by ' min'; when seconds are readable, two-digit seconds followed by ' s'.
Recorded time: 9 h 41 min
